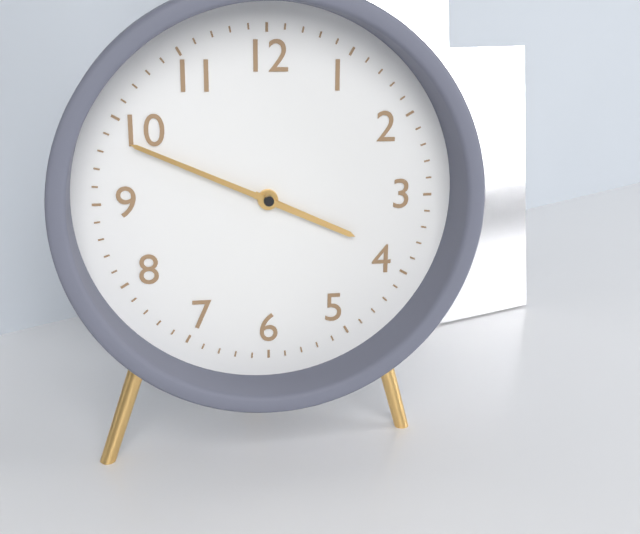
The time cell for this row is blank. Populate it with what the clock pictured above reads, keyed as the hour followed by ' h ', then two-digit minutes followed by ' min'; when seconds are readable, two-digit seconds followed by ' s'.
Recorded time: 3 h 49 min
